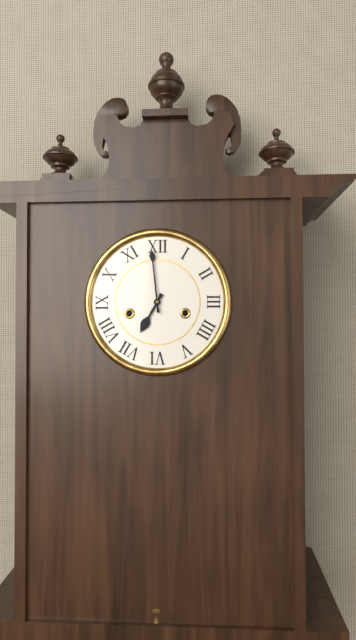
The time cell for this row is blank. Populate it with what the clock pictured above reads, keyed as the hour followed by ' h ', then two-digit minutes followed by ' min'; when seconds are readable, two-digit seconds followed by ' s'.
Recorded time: 6 h 59 min
